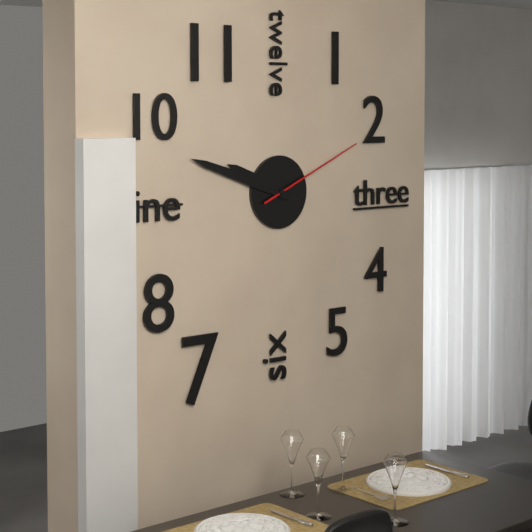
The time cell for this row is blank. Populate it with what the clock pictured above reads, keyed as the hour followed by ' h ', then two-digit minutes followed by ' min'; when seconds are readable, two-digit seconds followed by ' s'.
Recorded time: 9 h 48 min 11 s
